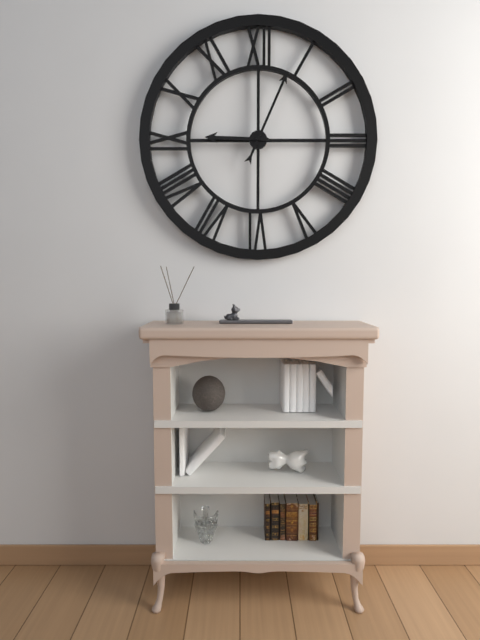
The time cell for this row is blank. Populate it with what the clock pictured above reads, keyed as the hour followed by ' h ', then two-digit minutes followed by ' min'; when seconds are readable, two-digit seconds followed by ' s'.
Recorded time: 9 h 04 min
